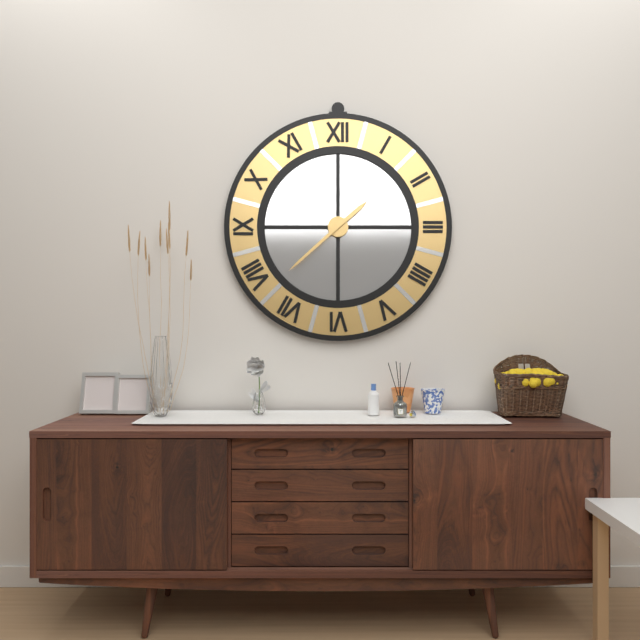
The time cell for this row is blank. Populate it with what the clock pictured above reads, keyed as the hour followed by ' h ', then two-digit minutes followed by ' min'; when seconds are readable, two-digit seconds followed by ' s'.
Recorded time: 1 h 38 min
